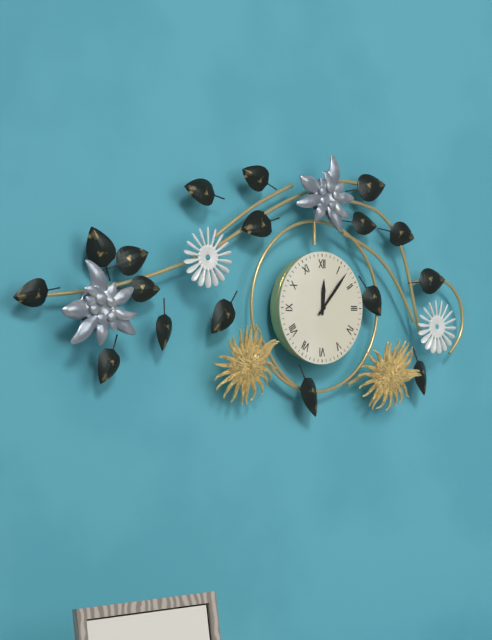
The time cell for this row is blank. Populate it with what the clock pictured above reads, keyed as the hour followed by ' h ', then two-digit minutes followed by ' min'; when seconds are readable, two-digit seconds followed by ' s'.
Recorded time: 12 h 07 min
